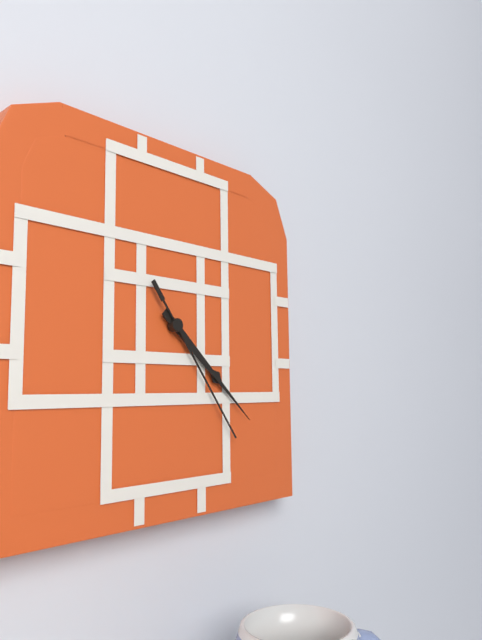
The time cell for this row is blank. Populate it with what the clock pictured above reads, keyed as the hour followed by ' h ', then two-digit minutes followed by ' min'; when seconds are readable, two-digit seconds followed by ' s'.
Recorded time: 4 h 22 min 24 s
